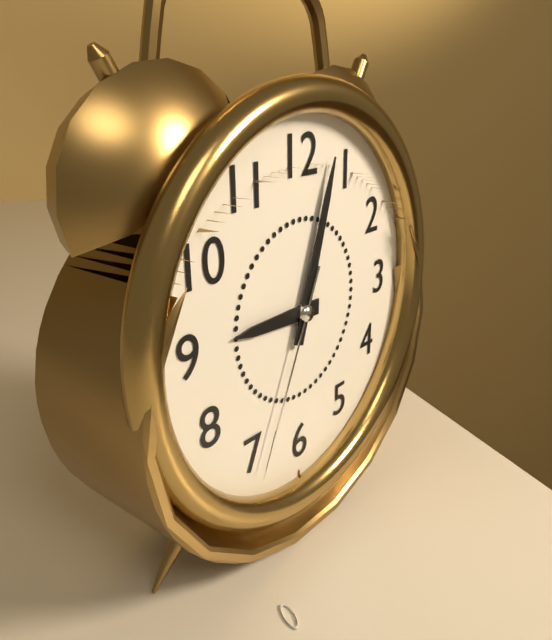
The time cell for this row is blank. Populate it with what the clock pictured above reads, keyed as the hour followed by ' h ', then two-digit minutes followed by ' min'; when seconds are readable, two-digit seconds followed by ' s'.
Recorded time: 9 h 03 min 34 s
